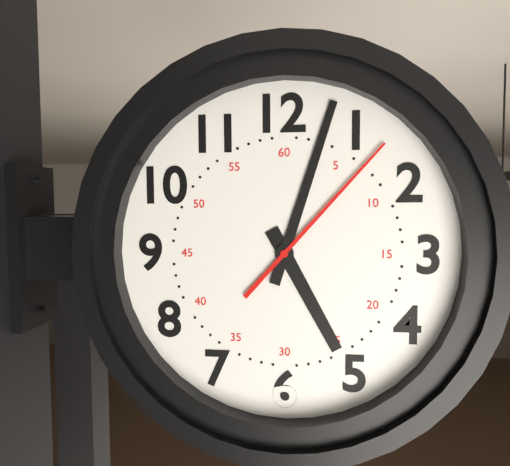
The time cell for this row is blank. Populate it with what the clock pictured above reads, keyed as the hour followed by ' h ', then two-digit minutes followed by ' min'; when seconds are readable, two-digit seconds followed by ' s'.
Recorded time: 5 h 03 min 07 s
